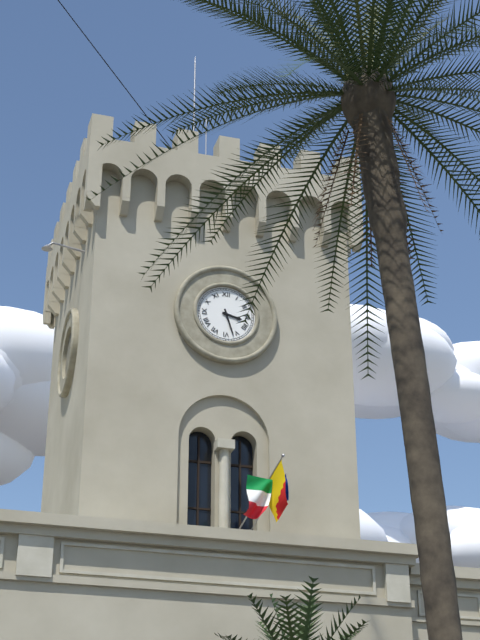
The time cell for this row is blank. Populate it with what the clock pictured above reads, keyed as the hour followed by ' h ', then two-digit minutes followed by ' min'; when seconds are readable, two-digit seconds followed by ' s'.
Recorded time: 3 h 27 min
